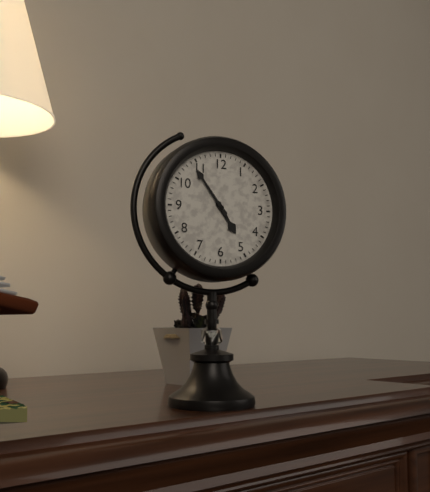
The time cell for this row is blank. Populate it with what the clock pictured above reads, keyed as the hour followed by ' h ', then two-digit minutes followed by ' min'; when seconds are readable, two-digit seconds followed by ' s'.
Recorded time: 4 h 54 min
